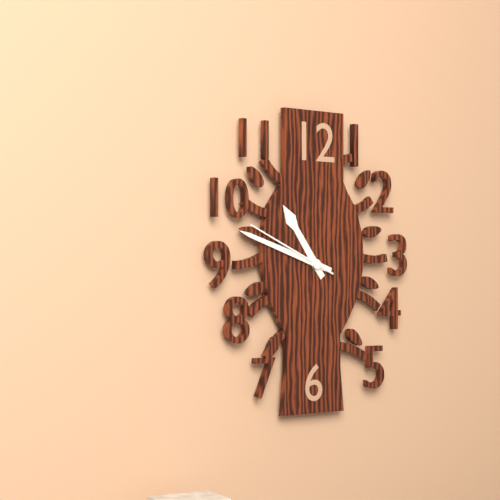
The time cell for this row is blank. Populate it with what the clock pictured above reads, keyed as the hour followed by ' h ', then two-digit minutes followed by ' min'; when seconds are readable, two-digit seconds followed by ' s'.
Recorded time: 10 h 48 min 49 s
